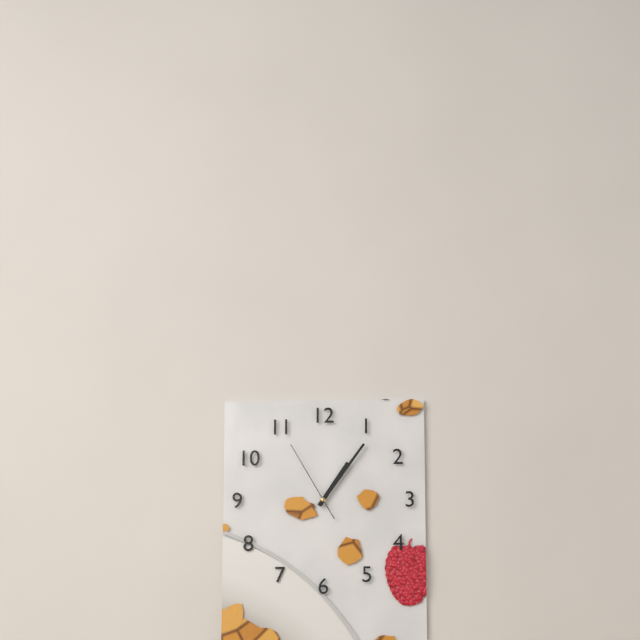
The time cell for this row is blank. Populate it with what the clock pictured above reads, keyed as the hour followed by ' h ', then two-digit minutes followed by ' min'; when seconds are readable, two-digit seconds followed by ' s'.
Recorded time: 1 h 06 min 55 s
